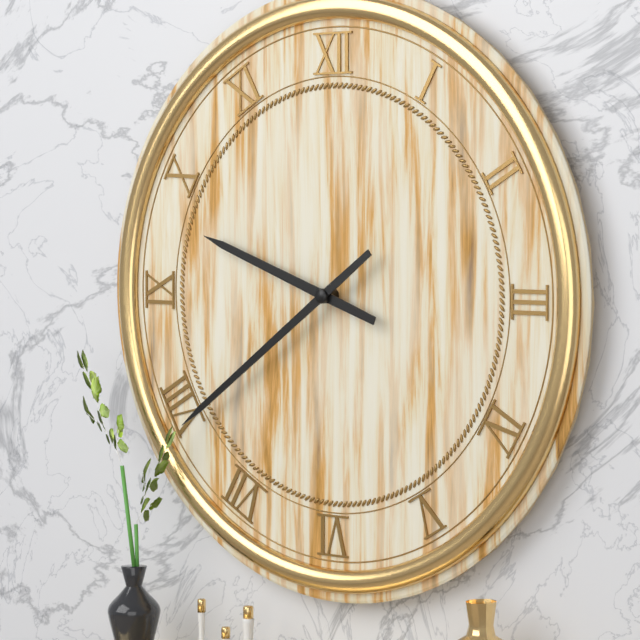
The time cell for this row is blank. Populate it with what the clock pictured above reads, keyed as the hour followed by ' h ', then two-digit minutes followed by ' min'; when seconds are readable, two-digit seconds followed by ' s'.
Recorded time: 9 h 39 min
